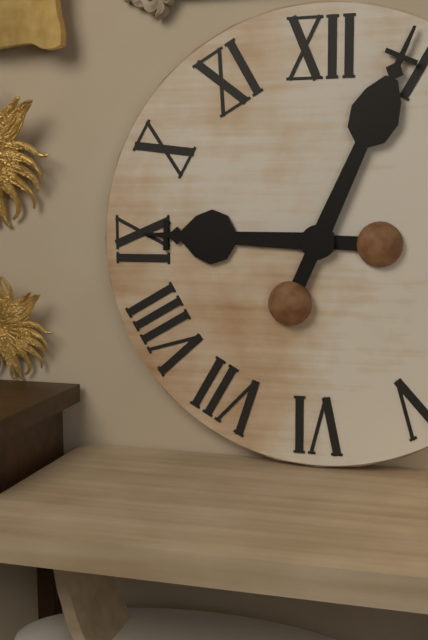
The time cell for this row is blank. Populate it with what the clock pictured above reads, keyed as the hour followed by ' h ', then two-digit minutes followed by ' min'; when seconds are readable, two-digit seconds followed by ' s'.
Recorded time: 9 h 04 min
